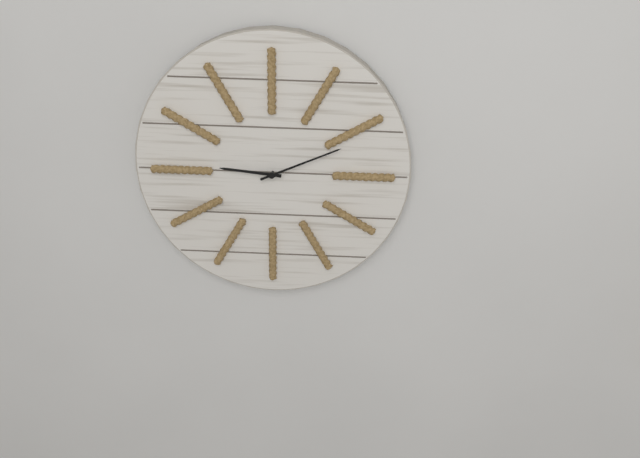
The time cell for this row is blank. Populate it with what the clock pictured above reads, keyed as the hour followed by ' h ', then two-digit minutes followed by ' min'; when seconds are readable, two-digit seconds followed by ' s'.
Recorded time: 9 h 11 min
